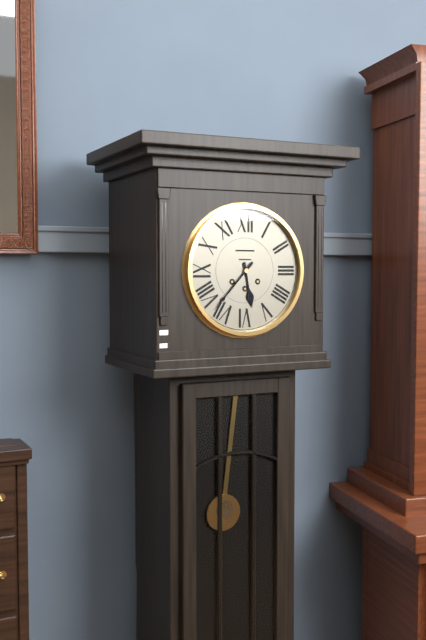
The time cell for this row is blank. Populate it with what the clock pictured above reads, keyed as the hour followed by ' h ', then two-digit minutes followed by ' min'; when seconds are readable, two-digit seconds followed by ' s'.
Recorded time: 5 h 37 min
